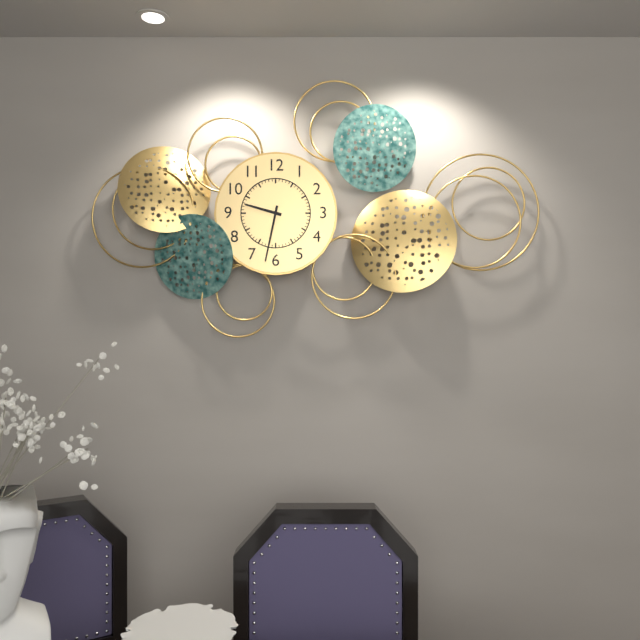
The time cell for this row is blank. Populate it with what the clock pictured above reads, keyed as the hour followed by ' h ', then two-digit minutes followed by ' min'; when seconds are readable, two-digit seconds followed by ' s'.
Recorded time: 9 h 32 min
